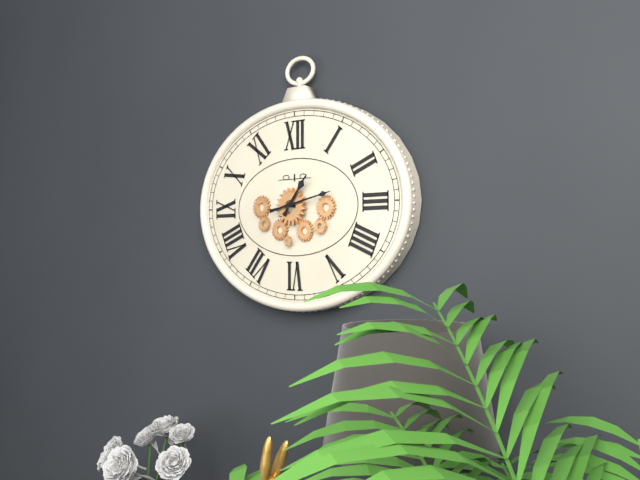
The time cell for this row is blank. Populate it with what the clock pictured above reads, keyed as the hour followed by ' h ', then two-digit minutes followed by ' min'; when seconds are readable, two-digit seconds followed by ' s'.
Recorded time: 1 h 13 min
